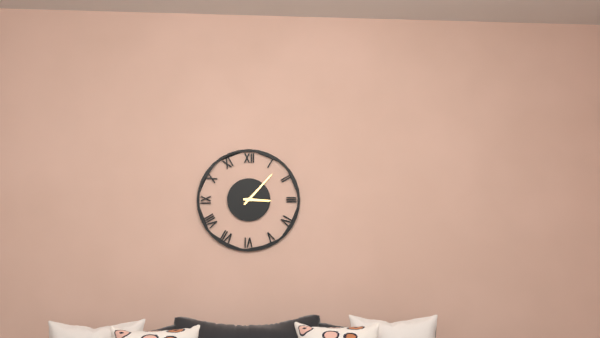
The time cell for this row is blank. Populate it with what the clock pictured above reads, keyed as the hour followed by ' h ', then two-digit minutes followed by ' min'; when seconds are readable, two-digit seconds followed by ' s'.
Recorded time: 3 h 07 min
